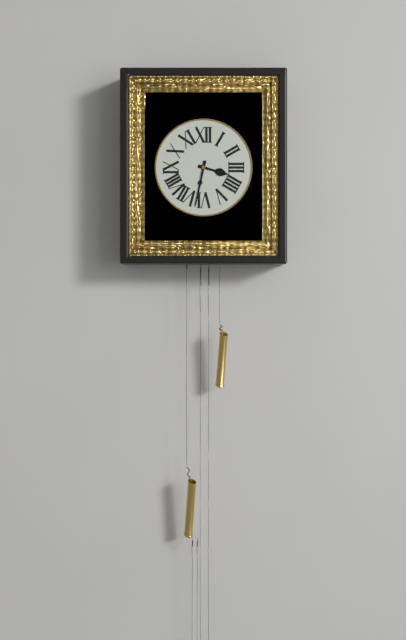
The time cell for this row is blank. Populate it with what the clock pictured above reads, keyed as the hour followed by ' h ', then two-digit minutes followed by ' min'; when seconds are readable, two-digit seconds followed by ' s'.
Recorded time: 3 h 32 min
